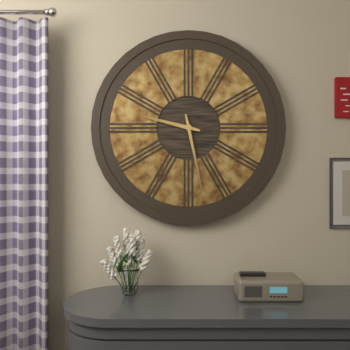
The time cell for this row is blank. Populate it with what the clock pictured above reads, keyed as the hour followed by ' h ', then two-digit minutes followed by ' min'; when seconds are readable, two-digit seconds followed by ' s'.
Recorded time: 9 h 28 min
